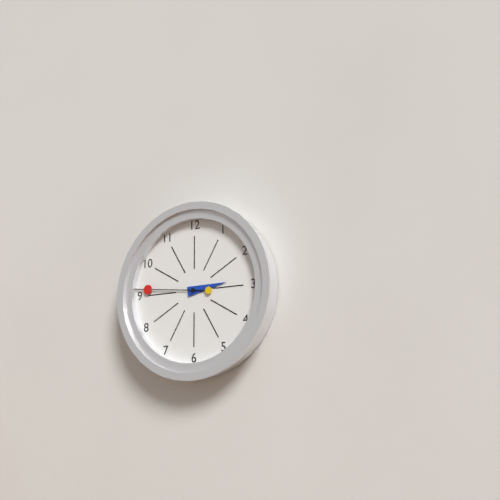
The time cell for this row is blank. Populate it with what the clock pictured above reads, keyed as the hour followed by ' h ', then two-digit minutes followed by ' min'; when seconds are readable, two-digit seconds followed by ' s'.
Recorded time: 2 h 46 min
